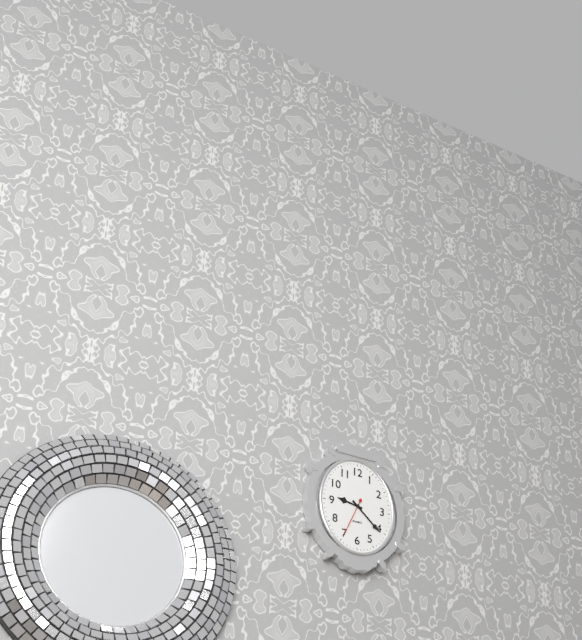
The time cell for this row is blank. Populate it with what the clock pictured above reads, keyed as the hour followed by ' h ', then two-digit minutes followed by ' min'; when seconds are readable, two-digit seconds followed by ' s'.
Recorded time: 9 h 22 min
